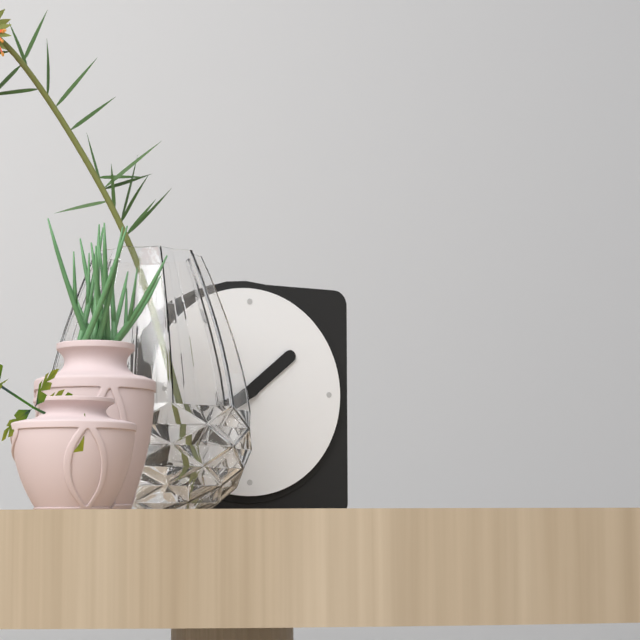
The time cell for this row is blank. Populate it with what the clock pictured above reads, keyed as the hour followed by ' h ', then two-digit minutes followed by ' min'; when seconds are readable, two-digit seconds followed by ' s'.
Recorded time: 1 h 40 min
